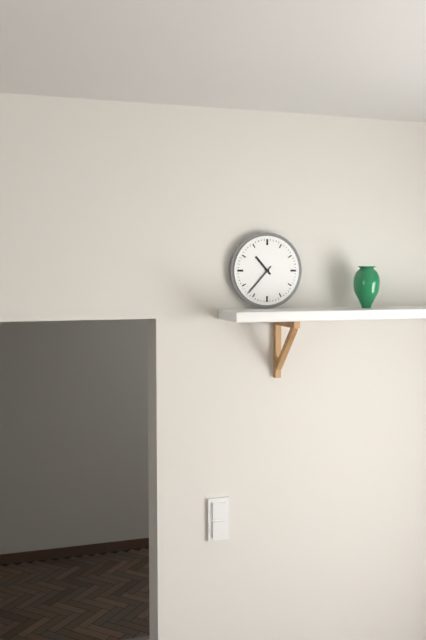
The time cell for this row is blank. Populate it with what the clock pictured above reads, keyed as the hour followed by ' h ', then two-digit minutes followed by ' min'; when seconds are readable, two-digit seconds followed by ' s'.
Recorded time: 10 h 37 min
